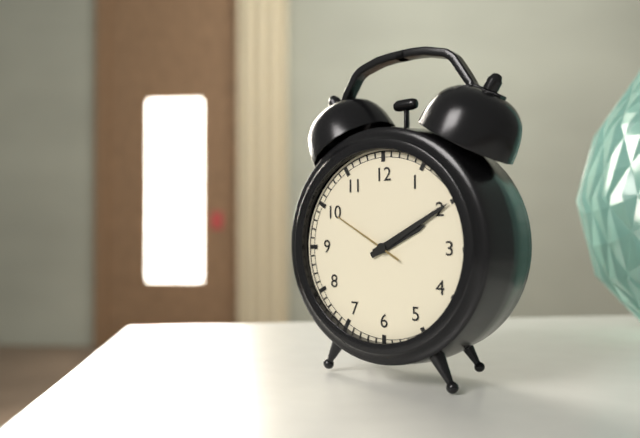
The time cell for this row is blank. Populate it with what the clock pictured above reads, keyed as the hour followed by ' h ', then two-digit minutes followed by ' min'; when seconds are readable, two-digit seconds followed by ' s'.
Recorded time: 2 h 10 min 50 s
